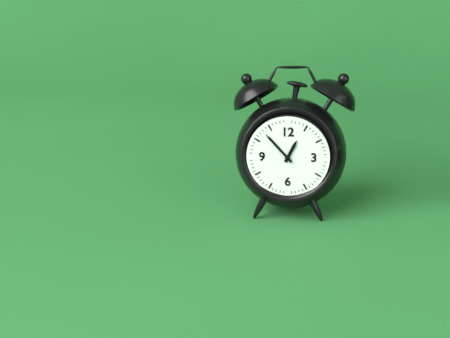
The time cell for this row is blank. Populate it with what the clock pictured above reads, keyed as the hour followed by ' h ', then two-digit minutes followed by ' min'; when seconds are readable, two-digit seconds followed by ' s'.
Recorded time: 12 h 53 min
